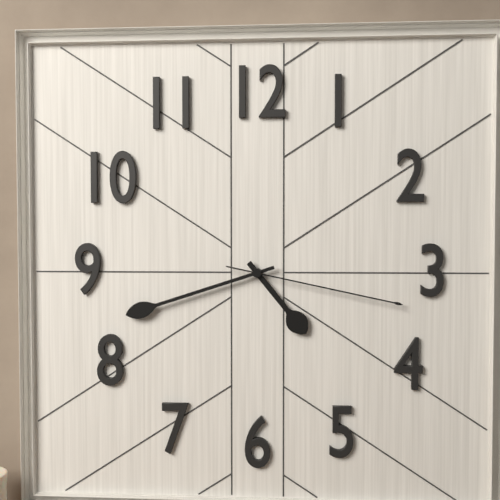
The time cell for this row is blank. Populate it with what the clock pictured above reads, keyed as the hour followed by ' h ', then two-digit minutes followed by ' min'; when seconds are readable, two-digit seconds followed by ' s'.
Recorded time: 4 h 42 min 17 s
